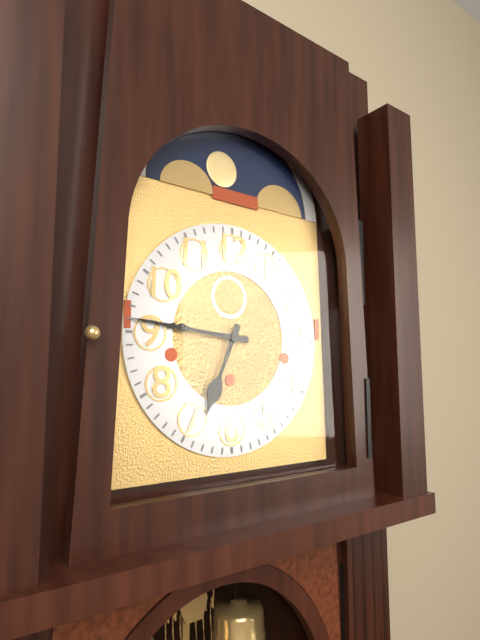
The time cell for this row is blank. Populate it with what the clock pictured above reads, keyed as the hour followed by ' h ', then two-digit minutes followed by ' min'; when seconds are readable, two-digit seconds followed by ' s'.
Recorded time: 6 h 46 min
